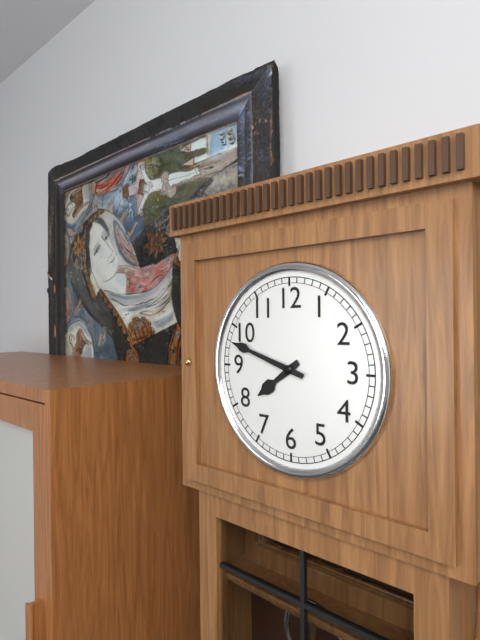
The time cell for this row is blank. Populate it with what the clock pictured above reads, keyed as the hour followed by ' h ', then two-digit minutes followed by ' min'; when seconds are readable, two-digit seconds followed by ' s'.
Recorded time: 7 h 48 min
